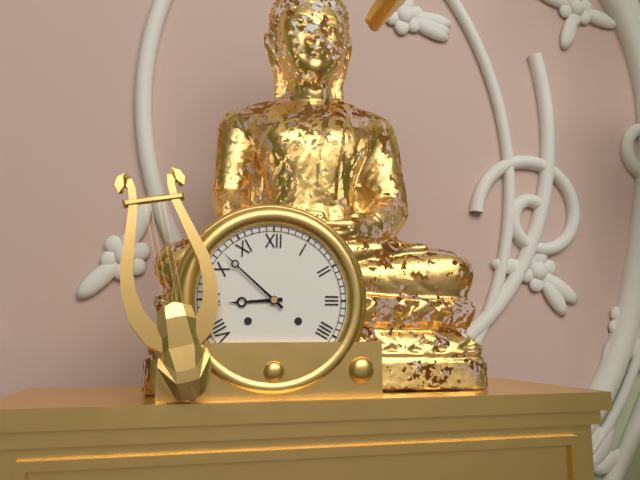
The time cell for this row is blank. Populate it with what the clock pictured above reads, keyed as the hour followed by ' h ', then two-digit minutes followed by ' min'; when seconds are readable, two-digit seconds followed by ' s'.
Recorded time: 8 h 52 min
